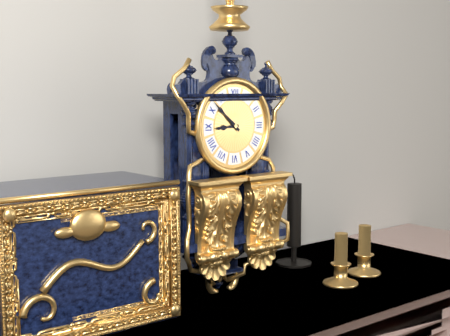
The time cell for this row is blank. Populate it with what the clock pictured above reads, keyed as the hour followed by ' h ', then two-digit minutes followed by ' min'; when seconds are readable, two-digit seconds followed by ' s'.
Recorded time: 8 h 52 min
